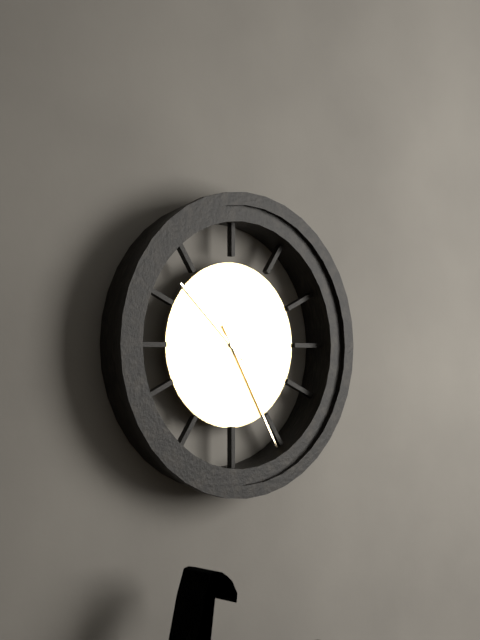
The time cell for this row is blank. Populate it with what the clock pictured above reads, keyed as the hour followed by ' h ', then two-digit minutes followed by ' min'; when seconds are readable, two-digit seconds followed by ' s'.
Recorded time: 10 h 25 min
